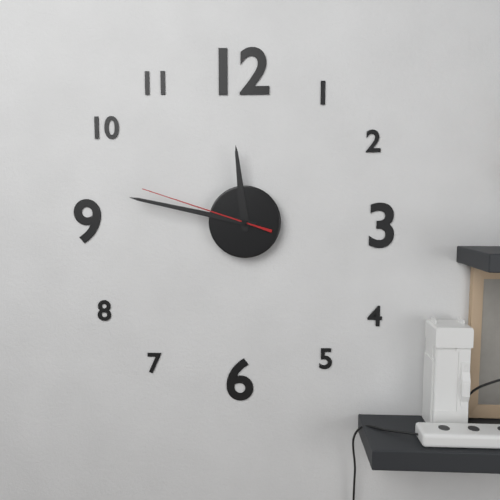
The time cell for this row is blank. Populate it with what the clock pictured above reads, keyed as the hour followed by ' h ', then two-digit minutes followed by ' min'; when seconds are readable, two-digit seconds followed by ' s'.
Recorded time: 11 h 47 min 48 s
